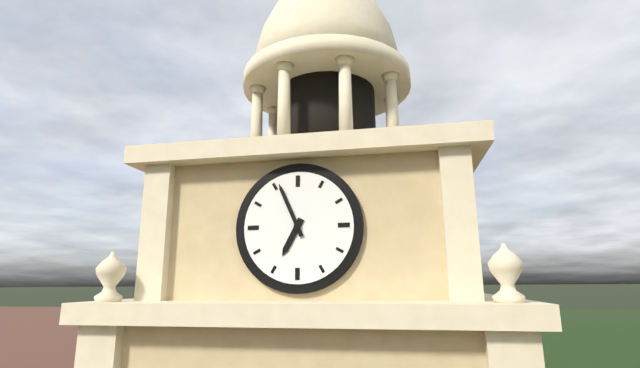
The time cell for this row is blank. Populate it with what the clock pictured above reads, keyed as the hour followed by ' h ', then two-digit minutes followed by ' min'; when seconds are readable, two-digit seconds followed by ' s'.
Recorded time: 6 h 56 min
